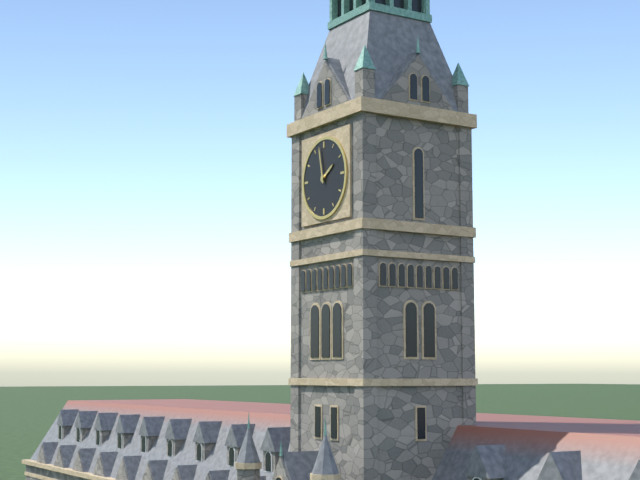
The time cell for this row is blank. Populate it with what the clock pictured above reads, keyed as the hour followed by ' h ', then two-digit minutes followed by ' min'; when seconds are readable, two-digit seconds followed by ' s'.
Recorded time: 1 h 58 min
